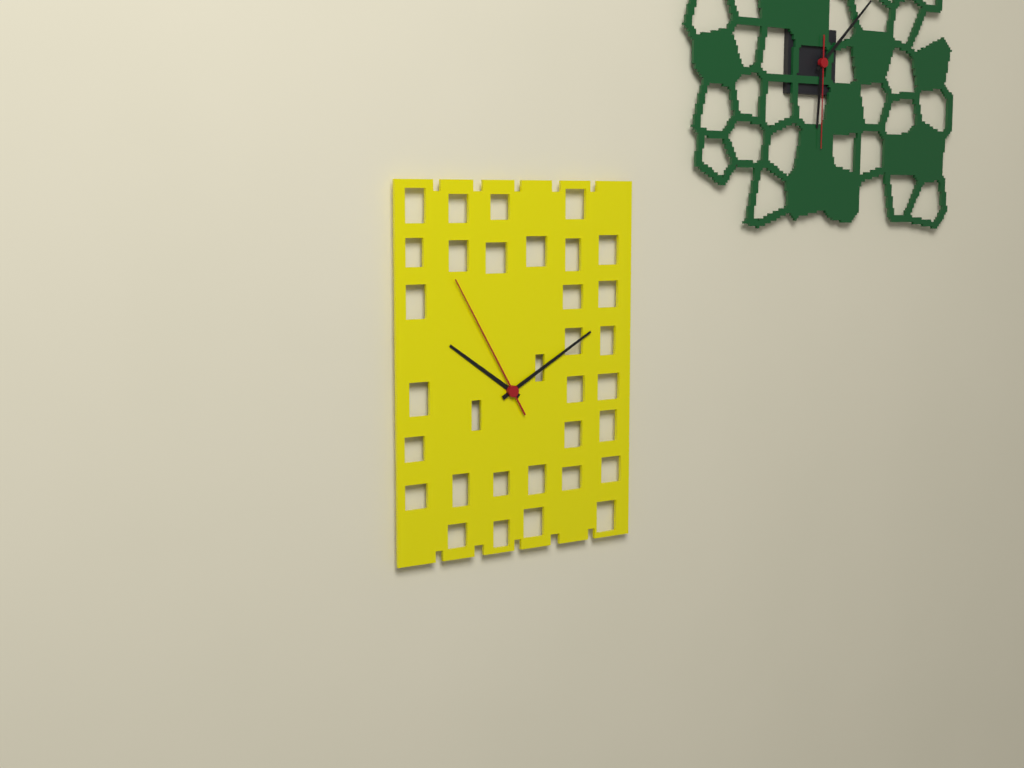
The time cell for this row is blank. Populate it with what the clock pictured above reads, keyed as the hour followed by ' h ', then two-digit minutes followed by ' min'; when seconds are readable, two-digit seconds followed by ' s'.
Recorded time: 10 h 10 min 55 s
